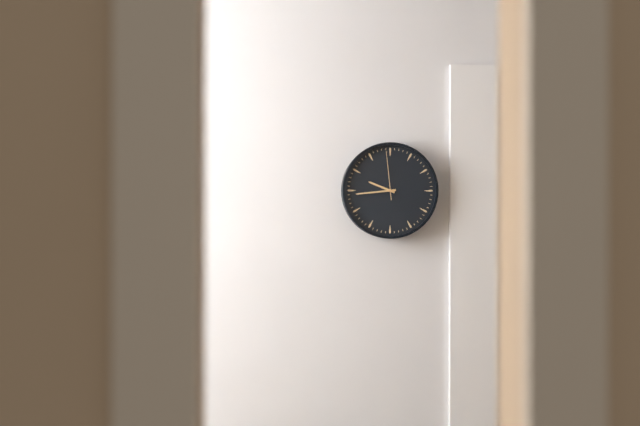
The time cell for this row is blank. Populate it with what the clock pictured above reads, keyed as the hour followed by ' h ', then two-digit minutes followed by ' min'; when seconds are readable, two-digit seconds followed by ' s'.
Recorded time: 9 h 44 min
